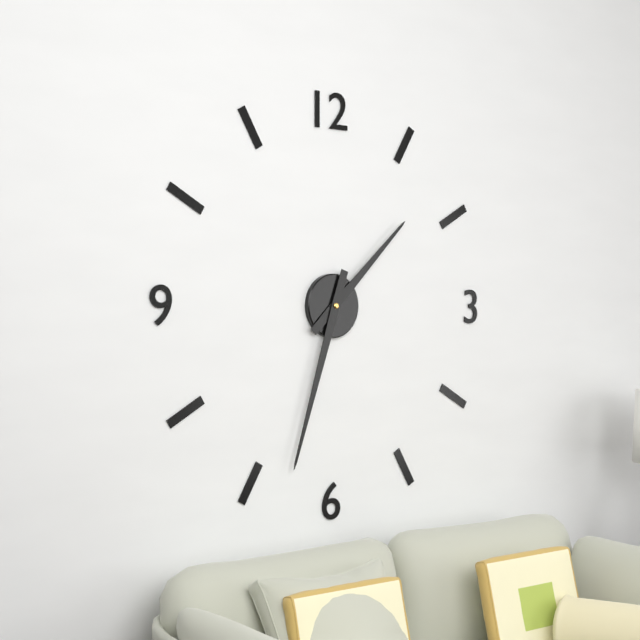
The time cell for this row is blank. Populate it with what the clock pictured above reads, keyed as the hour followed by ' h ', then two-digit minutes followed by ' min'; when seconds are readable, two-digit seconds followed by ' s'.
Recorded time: 1 h 33 min
